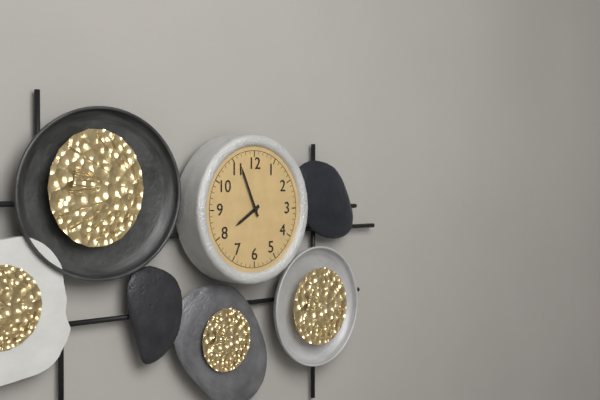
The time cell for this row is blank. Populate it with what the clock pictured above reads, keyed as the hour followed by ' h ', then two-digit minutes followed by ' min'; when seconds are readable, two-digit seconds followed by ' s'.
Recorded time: 7 h 56 min
